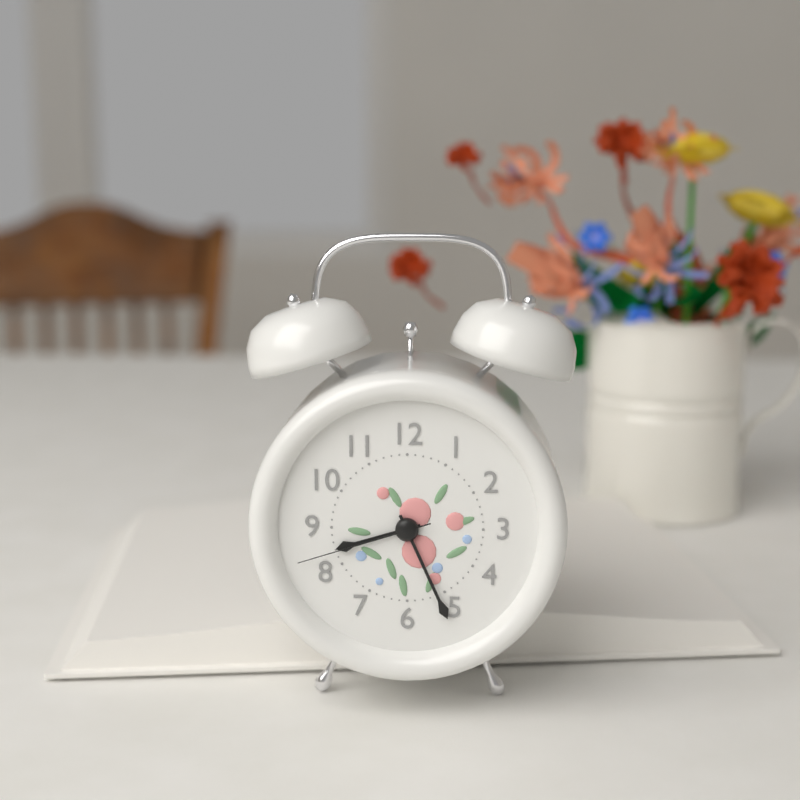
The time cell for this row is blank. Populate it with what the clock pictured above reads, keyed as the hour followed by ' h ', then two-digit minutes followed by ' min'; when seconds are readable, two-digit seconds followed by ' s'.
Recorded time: 8 h 26 min 42 s
